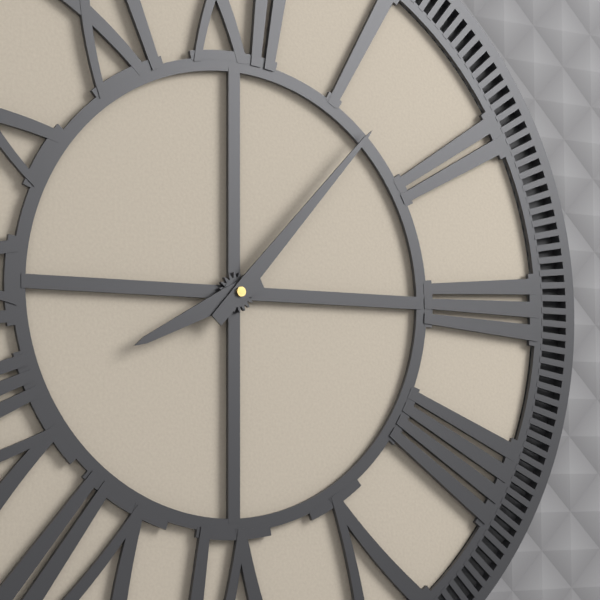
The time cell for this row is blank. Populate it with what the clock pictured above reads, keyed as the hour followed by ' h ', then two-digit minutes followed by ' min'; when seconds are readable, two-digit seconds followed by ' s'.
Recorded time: 8 h 07 min
